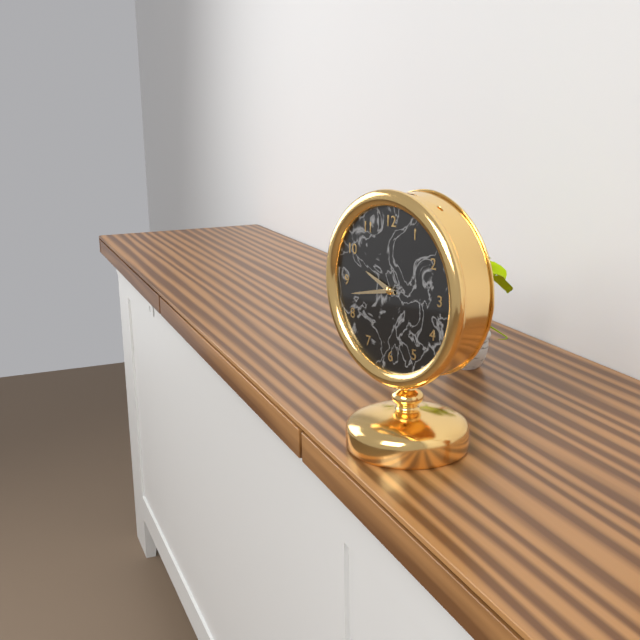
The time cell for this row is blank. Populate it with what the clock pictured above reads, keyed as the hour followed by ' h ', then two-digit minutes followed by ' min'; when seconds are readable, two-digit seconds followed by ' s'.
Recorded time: 9 h 43 min
